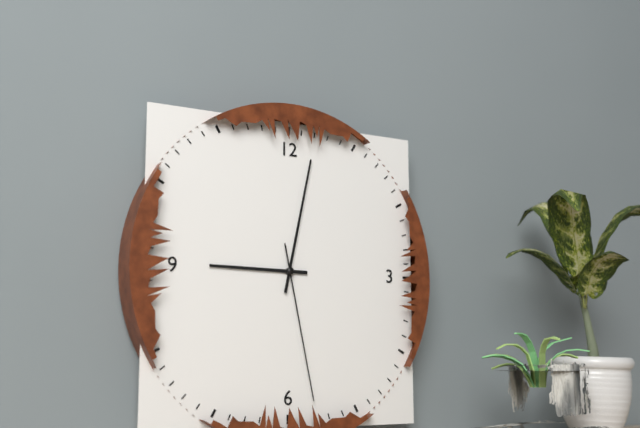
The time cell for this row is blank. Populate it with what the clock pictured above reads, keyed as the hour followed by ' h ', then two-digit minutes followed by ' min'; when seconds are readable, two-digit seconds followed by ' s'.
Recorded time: 9 h 02 min 28 s
